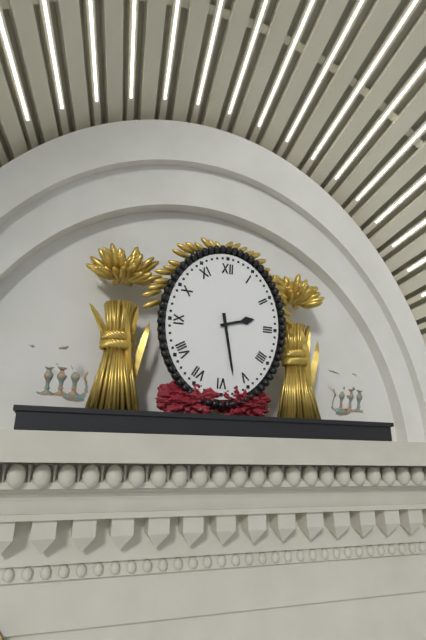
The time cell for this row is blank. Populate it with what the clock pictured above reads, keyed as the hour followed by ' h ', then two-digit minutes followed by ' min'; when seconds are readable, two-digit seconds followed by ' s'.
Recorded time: 2 h 28 min
